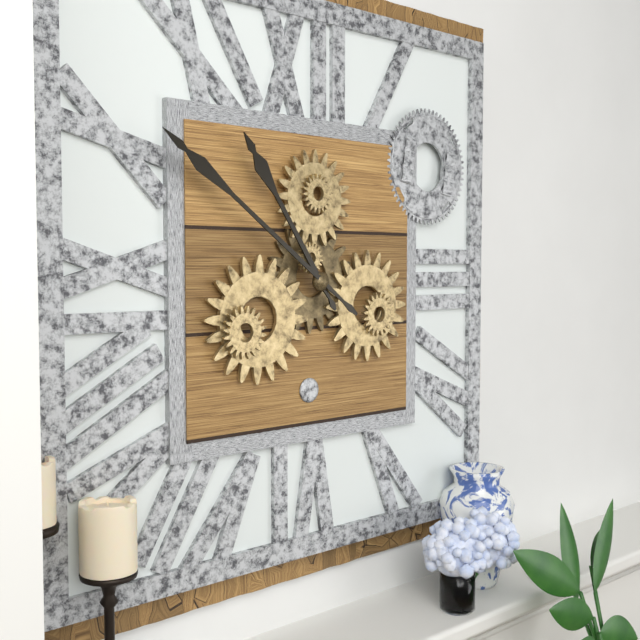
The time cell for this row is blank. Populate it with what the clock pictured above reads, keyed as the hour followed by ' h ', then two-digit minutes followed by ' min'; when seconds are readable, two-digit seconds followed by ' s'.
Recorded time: 10 h 51 min
